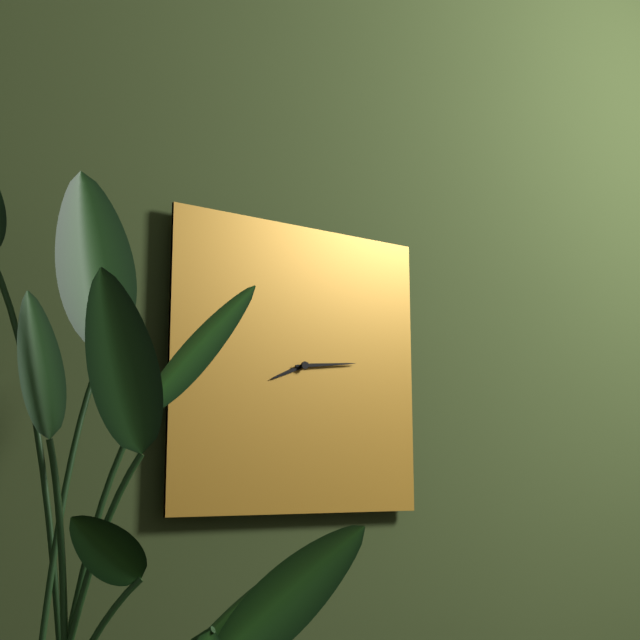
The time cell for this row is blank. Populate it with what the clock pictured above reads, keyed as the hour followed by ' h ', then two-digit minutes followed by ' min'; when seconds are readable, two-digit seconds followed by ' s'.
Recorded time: 8 h 14 min
